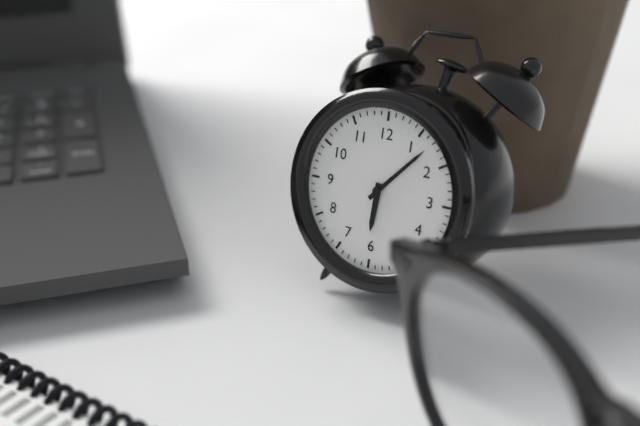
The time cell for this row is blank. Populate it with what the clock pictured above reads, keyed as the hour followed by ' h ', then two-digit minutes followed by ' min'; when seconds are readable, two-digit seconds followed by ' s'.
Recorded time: 6 h 07 min
